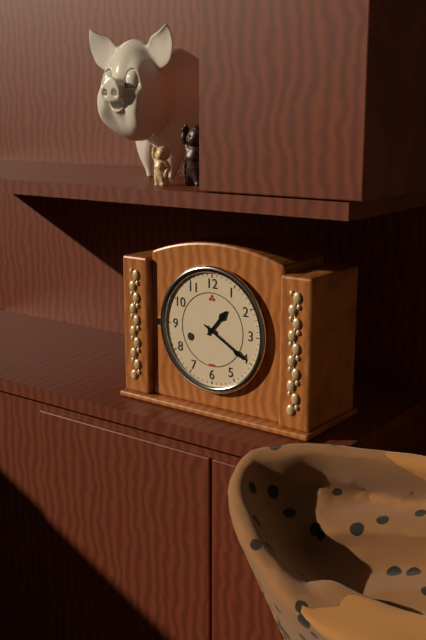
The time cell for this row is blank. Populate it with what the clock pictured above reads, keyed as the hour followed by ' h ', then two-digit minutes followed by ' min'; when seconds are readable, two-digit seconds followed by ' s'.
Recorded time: 1 h 20 min
